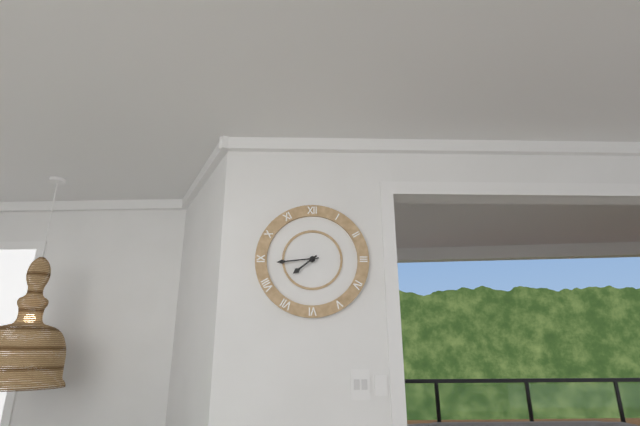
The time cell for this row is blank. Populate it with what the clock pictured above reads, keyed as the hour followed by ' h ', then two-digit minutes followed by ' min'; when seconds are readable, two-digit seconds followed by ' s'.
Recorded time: 7 h 44 min
